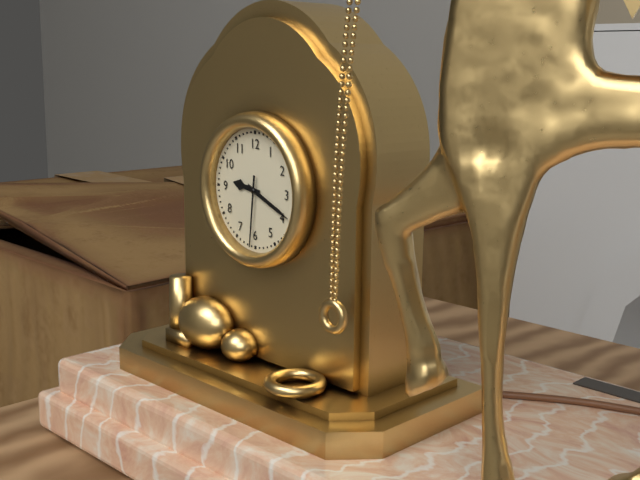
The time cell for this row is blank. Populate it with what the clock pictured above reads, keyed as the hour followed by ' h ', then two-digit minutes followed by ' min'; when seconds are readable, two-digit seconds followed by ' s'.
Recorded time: 9 h 19 min 31 s
